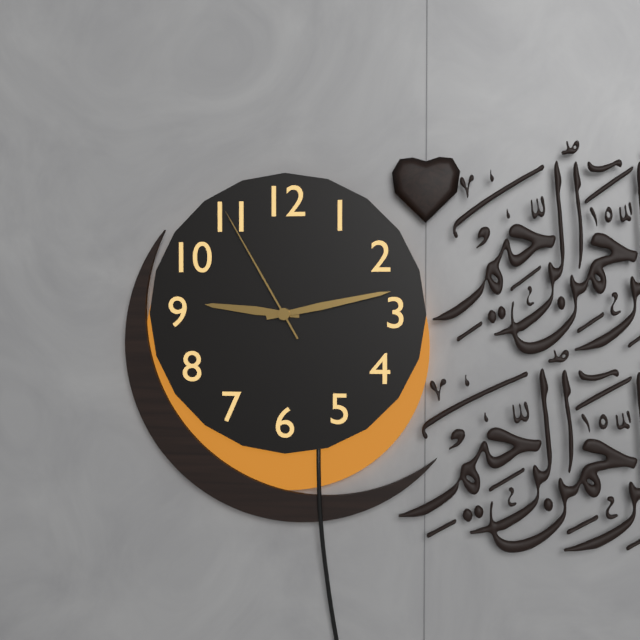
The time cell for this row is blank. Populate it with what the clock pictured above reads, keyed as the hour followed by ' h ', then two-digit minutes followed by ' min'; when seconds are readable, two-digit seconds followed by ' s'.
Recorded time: 9 h 13 min 55 s
